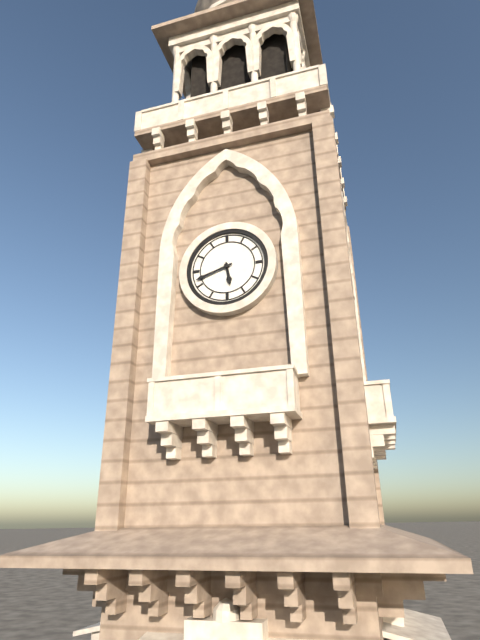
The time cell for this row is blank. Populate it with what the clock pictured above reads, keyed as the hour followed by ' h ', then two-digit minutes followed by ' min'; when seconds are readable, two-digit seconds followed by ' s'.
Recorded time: 5 h 42 min
